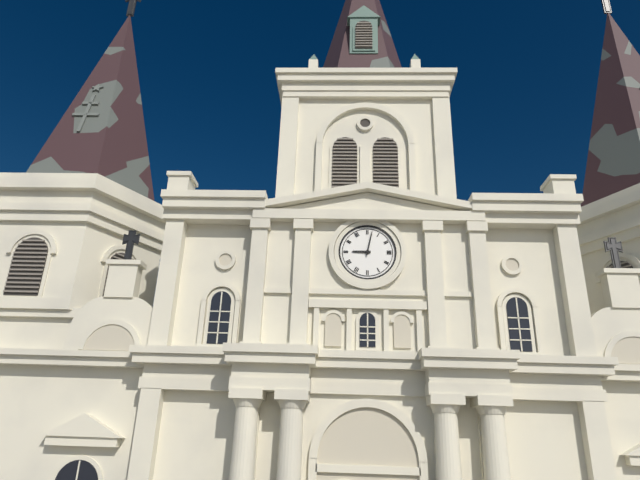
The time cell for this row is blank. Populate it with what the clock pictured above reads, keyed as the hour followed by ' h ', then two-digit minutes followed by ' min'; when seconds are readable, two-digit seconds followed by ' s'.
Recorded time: 9 h 02 min
